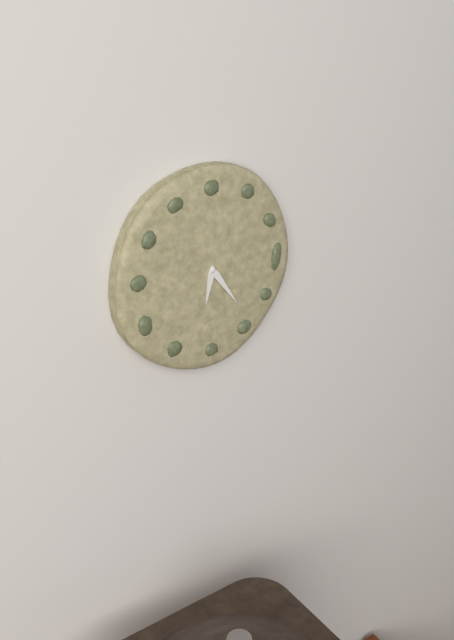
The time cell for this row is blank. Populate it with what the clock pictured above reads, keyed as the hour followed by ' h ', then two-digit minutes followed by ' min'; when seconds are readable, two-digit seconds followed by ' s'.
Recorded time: 6 h 24 min
